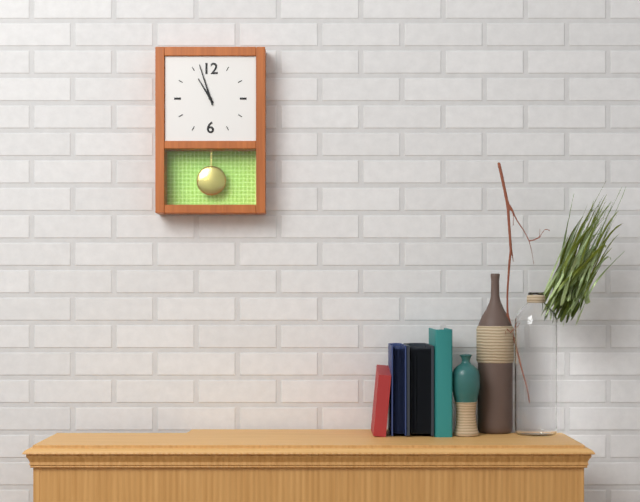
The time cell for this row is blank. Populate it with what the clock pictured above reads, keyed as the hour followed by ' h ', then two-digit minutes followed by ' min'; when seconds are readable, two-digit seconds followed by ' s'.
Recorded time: 10 h 57 min
